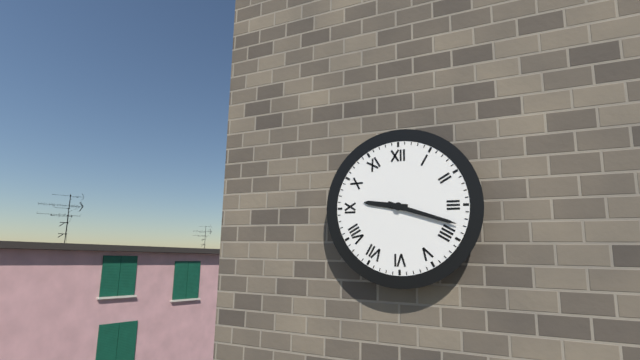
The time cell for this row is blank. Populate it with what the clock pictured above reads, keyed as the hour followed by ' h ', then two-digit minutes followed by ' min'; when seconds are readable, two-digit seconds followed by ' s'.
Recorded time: 9 h 18 min
